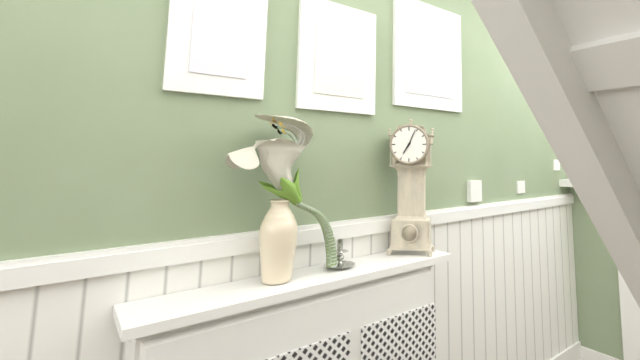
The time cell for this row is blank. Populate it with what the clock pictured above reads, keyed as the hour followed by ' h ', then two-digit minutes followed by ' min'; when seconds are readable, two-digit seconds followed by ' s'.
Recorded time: 7 h 04 min
